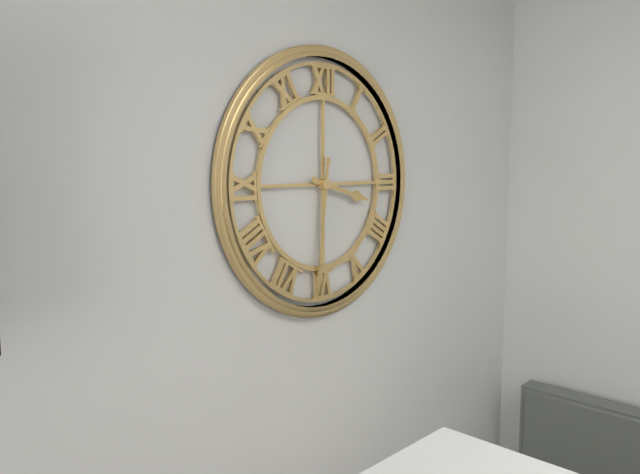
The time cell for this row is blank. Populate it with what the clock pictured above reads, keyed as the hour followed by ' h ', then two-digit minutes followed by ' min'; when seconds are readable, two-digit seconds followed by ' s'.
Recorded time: 3 h 31 min
